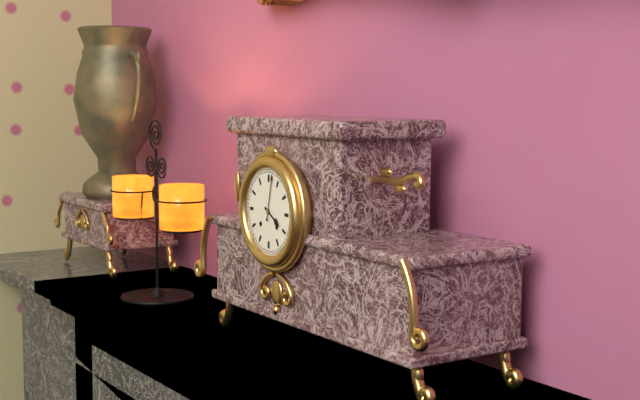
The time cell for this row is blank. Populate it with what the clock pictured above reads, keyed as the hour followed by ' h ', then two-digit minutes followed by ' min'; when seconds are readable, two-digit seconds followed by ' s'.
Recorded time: 4 h 02 min
